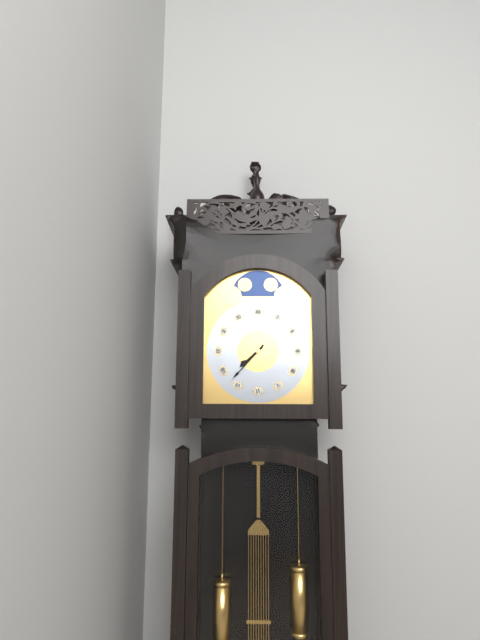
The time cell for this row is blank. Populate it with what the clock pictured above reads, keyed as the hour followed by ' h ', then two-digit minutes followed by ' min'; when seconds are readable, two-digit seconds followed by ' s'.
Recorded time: 7 h 37 min
